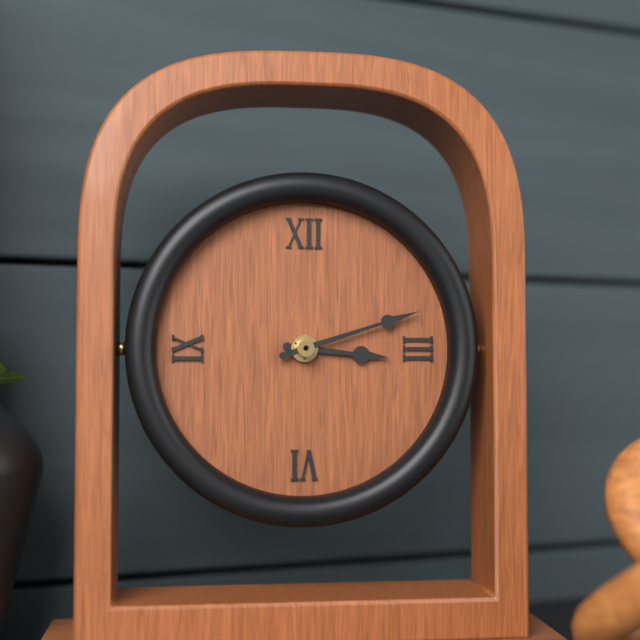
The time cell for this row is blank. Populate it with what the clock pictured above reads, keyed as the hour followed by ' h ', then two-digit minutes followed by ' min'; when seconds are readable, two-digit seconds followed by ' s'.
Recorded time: 3 h 12 min
